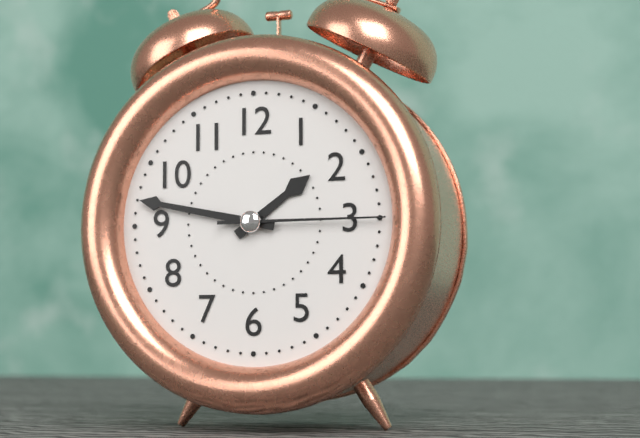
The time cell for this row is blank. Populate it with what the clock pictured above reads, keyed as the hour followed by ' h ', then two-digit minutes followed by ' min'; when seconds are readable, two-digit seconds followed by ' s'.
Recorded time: 1 h 47 min 15 s
